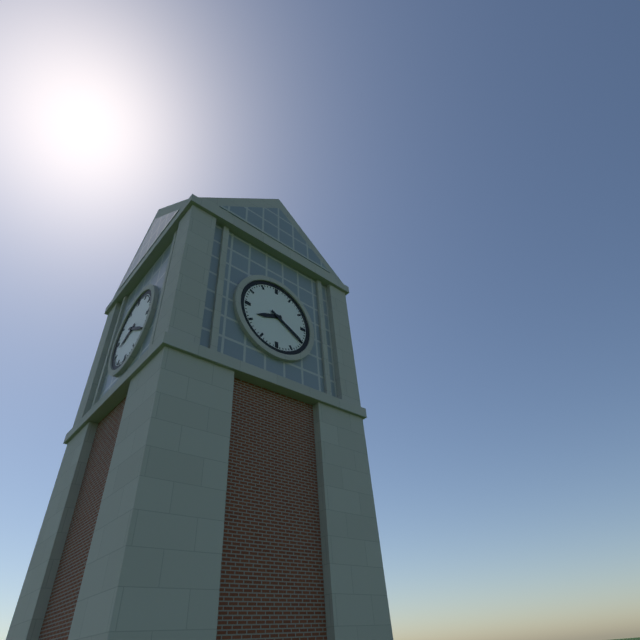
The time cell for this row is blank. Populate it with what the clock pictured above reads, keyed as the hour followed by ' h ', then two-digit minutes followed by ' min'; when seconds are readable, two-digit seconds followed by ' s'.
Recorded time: 8 h 20 min
